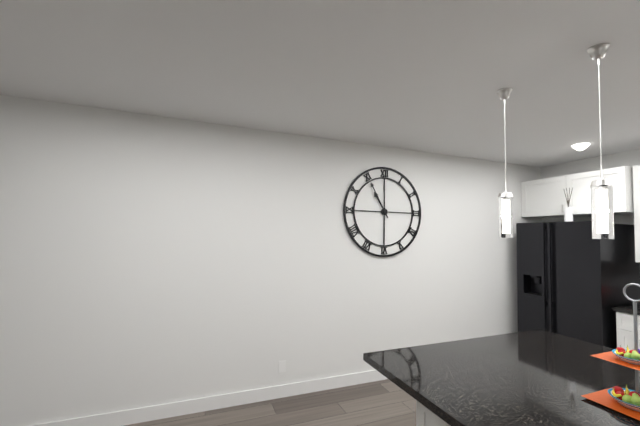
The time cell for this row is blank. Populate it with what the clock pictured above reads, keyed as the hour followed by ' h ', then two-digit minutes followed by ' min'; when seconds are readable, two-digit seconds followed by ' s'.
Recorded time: 10 h 55 min
